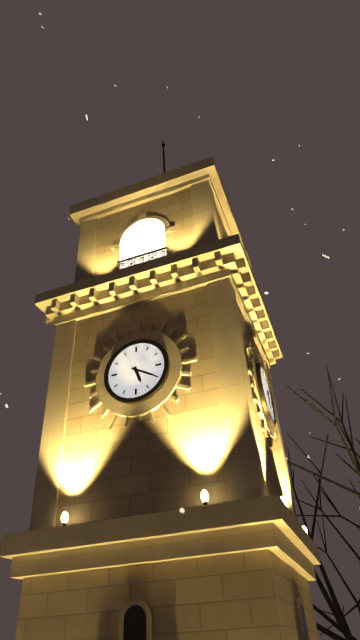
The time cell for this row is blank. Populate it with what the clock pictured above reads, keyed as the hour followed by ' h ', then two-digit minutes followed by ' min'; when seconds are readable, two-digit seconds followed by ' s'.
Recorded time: 5 h 20 min
